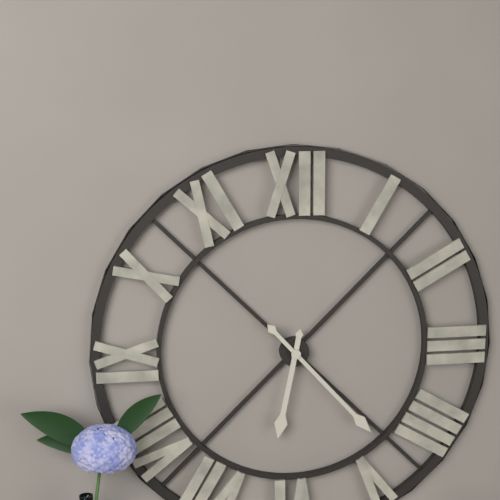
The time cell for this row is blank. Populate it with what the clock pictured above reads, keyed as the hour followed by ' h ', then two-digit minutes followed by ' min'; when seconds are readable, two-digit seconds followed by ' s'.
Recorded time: 6 h 23 min
